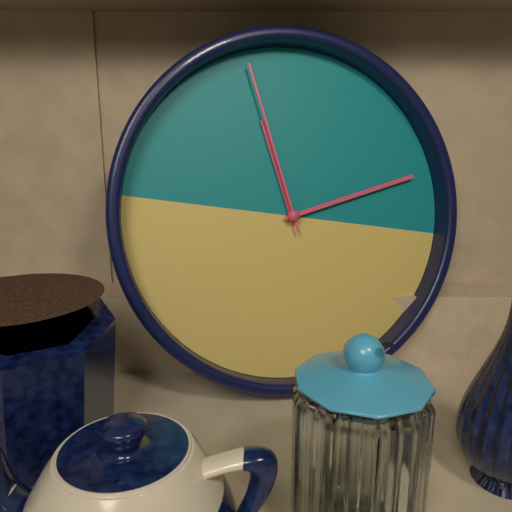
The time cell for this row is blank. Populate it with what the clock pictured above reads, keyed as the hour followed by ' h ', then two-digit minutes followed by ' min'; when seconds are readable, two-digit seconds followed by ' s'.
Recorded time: 11 h 11 min 56 s
